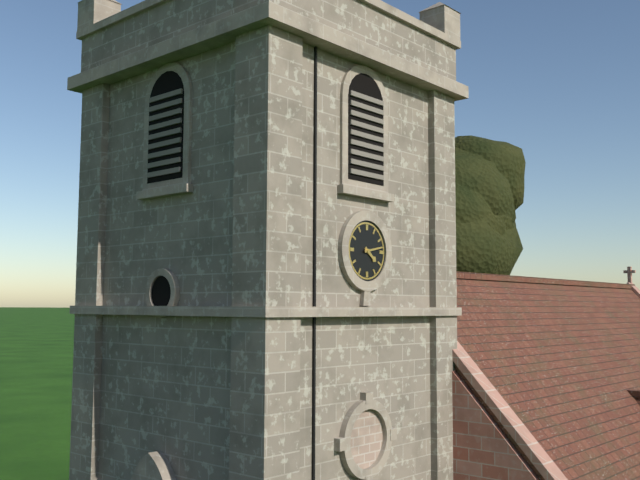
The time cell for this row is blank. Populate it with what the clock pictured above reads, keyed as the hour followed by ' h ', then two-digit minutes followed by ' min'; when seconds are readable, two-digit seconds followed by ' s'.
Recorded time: 4 h 13 min
